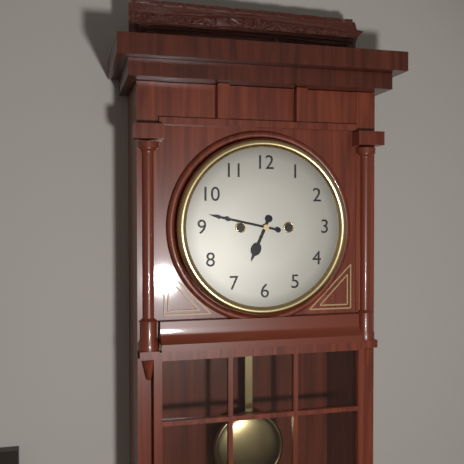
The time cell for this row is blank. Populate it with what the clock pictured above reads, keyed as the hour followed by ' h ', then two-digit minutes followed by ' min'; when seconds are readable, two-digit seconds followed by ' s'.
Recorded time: 6 h 47 min
